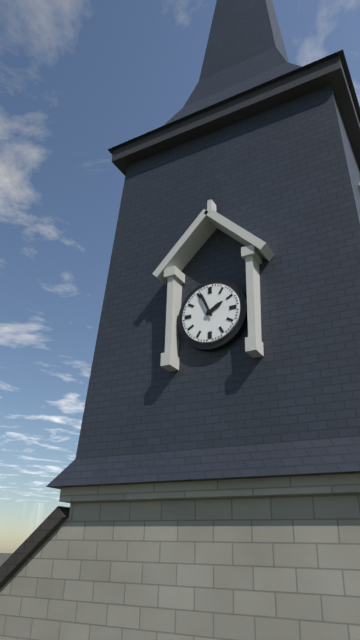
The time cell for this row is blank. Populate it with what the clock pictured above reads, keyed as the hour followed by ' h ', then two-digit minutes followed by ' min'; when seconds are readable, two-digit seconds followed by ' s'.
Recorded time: 1 h 56 min
